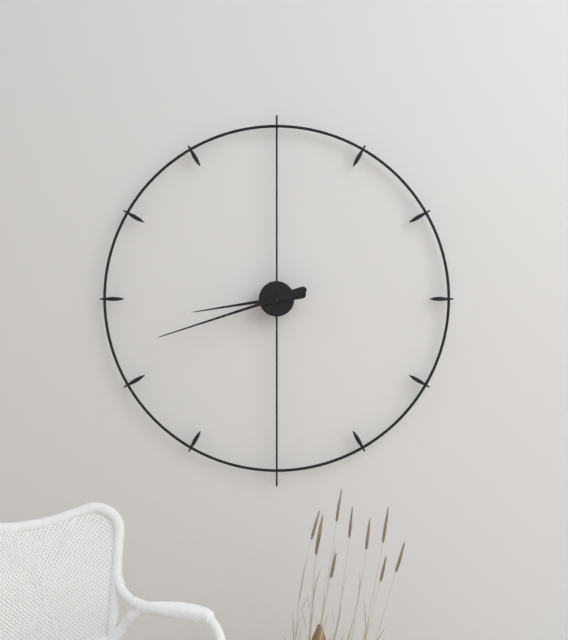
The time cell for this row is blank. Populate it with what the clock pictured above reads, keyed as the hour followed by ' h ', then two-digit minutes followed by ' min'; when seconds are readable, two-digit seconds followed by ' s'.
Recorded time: 8 h 42 min
